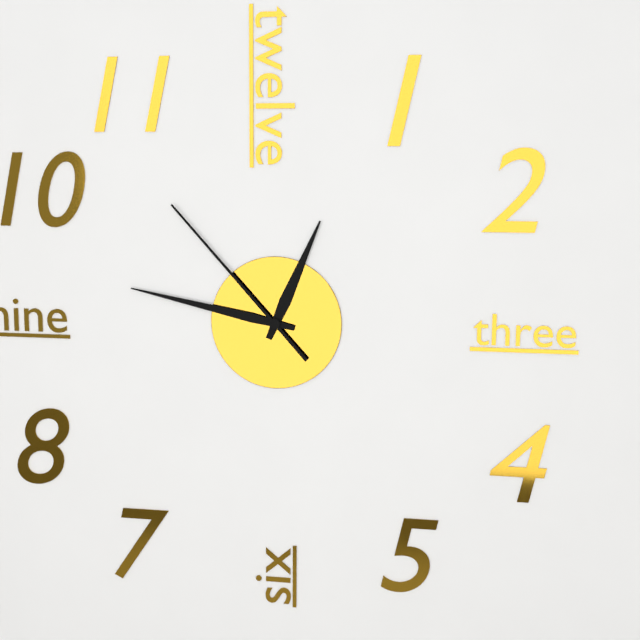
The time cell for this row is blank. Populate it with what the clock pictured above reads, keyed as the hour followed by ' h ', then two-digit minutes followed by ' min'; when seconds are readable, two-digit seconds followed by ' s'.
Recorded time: 12 h 47 min 53 s
